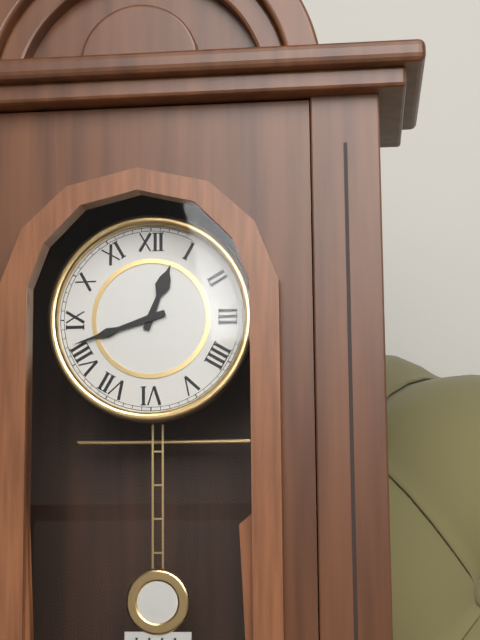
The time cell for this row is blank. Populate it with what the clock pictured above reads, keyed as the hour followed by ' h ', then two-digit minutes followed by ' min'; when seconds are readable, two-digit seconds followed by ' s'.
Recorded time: 12 h 42 min
